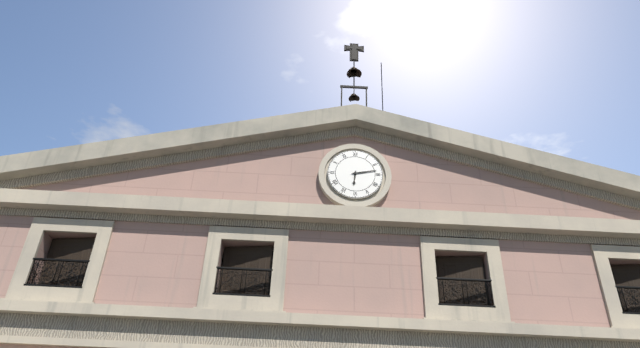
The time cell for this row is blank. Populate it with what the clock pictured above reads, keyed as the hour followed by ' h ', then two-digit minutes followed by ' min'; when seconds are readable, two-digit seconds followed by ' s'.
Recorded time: 6 h 13 min
